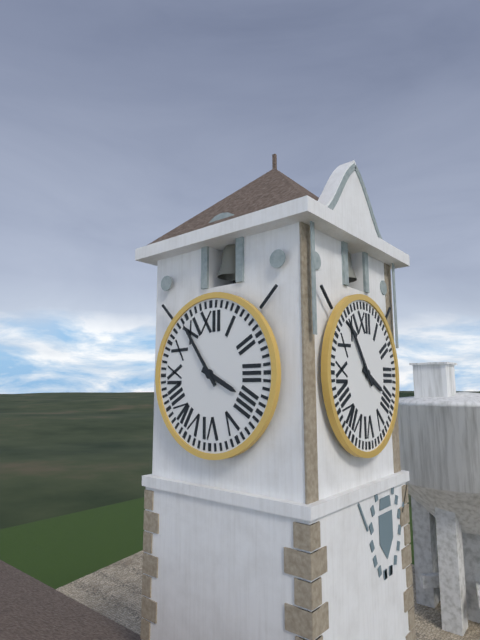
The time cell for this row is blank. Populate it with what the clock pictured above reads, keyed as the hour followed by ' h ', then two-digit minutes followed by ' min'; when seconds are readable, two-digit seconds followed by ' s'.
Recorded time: 3 h 54 min
